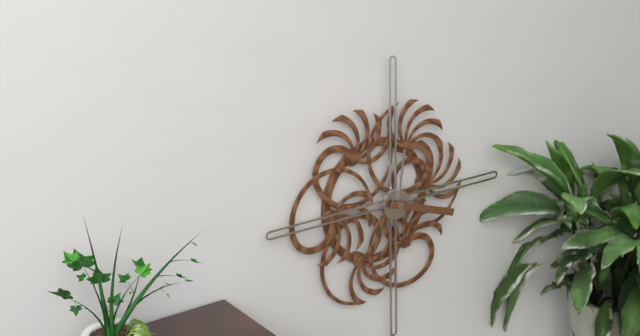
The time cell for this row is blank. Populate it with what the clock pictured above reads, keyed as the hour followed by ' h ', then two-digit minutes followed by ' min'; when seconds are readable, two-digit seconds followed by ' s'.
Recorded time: 12 h 18 min
